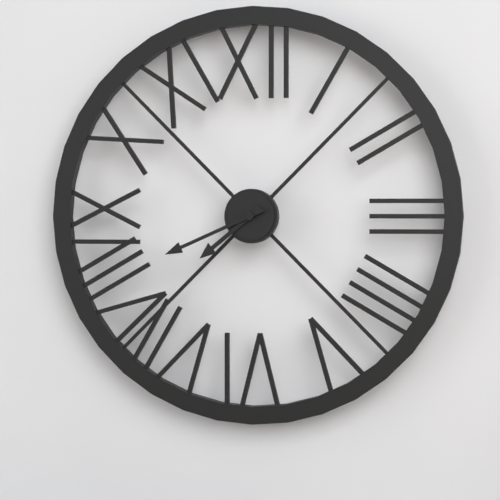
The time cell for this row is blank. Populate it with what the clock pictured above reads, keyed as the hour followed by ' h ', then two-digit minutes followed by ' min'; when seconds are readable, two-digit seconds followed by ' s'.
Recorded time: 7 h 41 min
